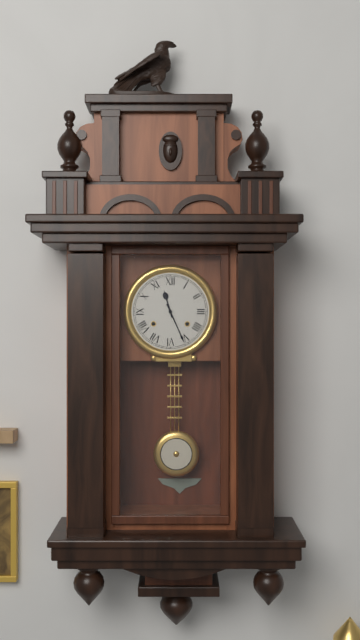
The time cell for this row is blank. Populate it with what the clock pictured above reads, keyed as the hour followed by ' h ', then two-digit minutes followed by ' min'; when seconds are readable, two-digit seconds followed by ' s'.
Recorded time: 11 h 26 min
